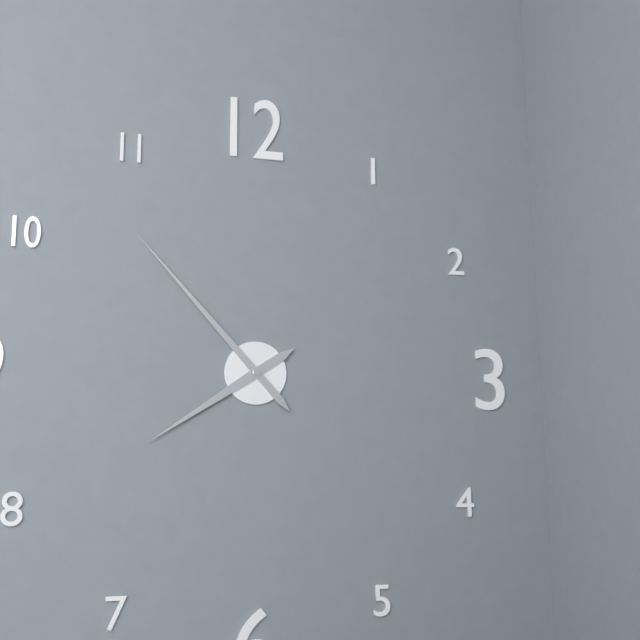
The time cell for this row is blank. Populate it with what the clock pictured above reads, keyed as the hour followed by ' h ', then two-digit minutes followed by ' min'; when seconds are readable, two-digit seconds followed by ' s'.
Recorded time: 7 h 53 min
